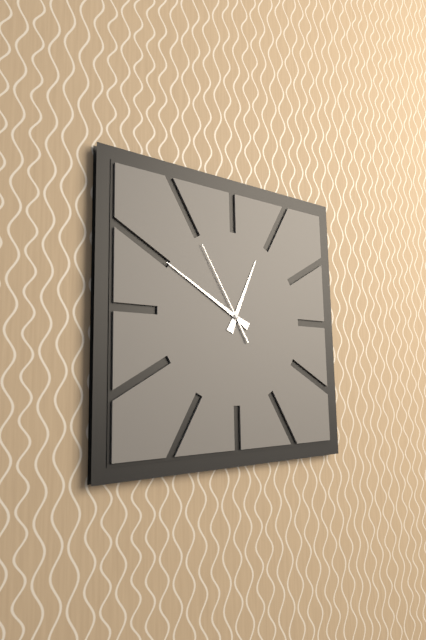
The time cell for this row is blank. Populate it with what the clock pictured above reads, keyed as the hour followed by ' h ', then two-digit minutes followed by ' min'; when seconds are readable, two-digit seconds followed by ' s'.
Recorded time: 12 h 50 min 55 s
